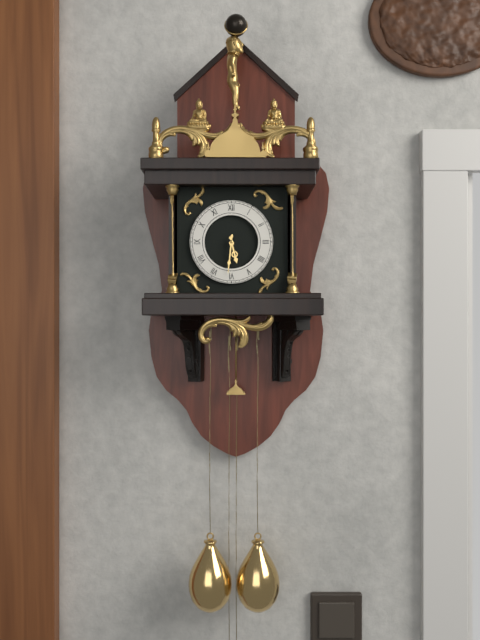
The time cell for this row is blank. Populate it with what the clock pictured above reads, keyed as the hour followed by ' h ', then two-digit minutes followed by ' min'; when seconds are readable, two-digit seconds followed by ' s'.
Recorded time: 5 h 31 min
